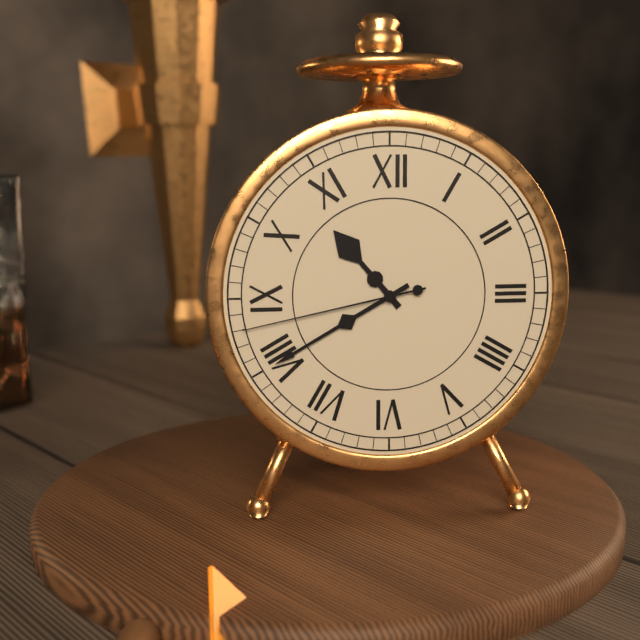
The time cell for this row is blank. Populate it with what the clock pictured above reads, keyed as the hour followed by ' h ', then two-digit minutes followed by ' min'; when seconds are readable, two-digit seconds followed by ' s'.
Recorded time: 10 h 40 min 43 s
